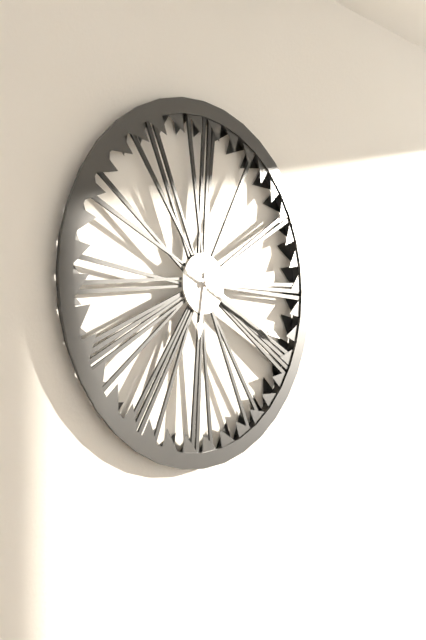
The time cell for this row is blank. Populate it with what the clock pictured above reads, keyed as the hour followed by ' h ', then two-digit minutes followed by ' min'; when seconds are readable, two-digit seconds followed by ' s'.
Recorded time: 6 h 19 min
